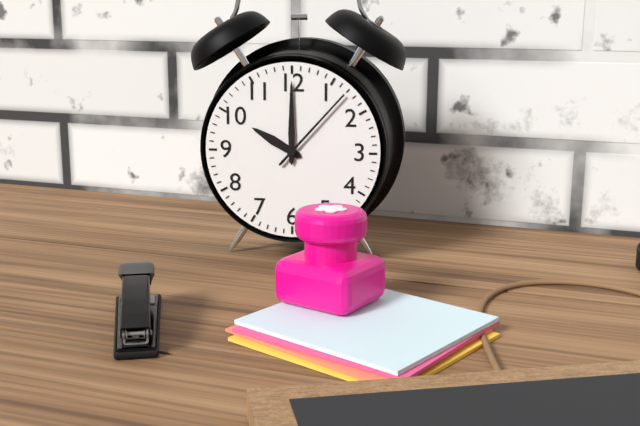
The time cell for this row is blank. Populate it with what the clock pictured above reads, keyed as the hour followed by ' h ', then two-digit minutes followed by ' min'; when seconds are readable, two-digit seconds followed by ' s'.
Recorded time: 10 h 00 min 07 s
